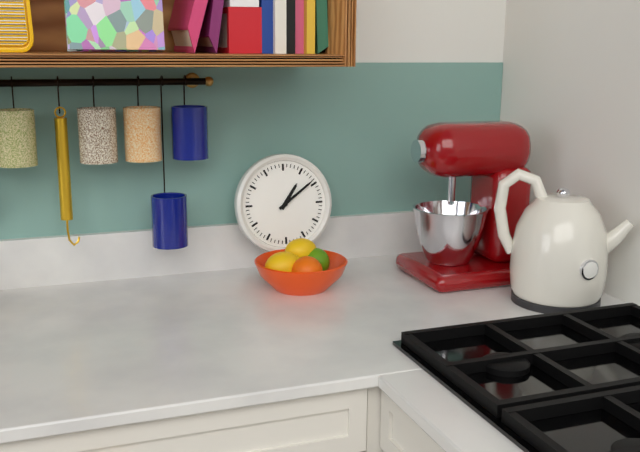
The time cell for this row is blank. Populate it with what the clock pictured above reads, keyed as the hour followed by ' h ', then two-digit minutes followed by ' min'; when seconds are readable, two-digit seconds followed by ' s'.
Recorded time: 1 h 09 min
